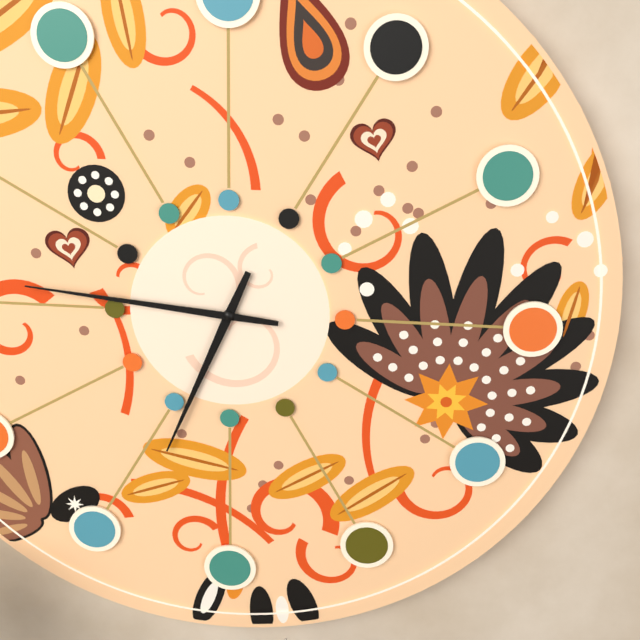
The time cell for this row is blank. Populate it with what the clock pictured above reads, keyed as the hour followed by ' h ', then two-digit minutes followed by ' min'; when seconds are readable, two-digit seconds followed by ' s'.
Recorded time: 6 h 46 min
